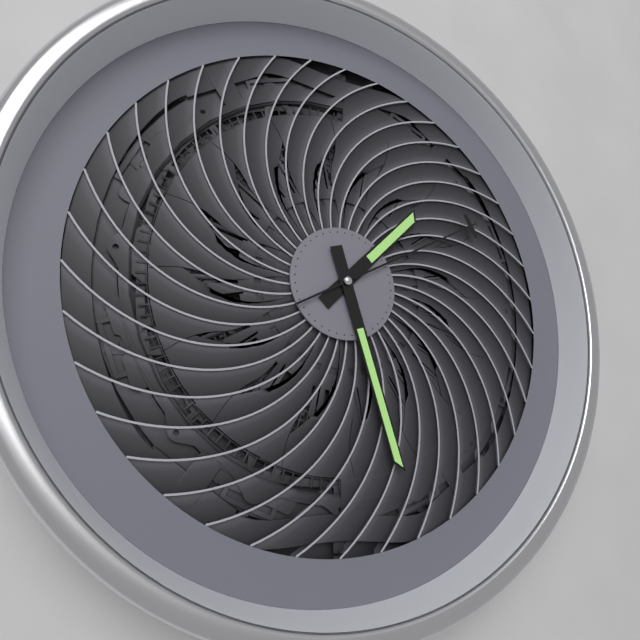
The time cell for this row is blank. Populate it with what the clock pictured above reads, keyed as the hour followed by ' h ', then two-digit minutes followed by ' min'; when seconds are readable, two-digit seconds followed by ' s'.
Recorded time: 1 h 27 min 10 s
